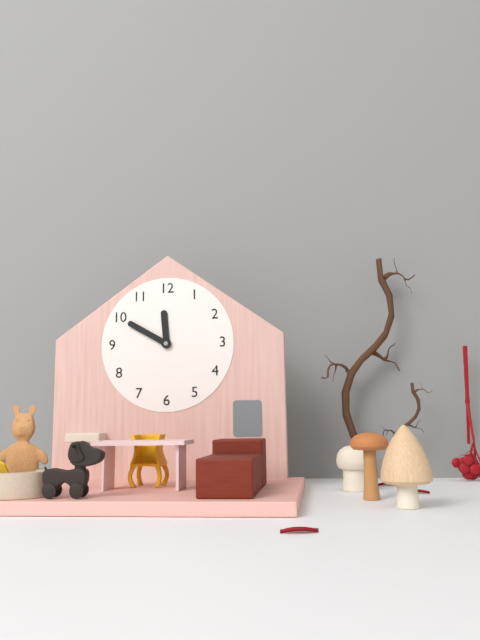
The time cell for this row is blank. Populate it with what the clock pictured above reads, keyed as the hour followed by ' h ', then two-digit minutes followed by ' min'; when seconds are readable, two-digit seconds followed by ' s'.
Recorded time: 11 h 50 min
